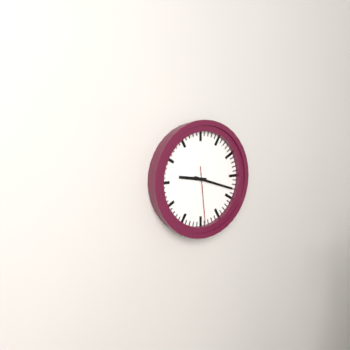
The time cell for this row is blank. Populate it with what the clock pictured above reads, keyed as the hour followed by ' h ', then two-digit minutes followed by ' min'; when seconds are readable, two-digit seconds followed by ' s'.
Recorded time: 9 h 18 min 29 s
